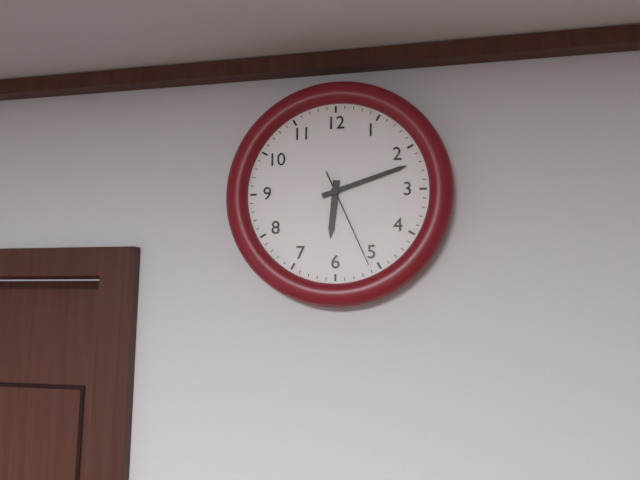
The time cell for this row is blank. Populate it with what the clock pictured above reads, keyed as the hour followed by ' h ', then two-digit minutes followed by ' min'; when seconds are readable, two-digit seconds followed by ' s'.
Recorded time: 6 h 12 min 26 s
